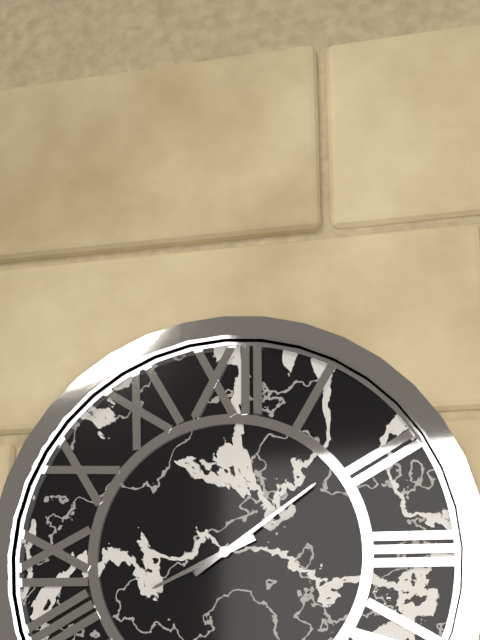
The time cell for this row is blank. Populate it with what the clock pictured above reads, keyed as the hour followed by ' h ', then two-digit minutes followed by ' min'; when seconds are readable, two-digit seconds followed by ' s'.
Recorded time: 8 h 09 min
